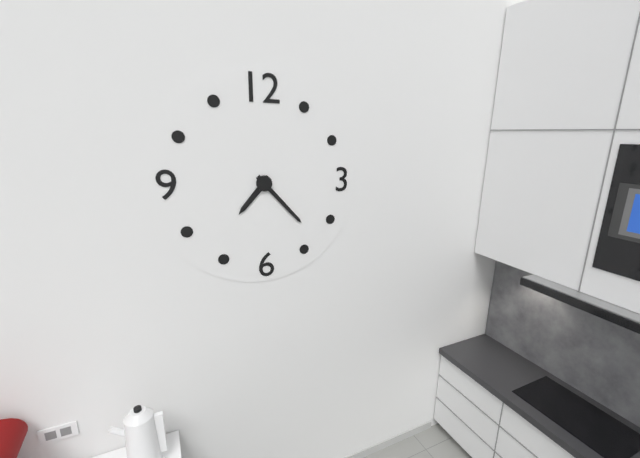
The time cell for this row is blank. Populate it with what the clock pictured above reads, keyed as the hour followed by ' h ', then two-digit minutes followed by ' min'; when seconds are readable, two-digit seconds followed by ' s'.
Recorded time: 7 h 23 min
